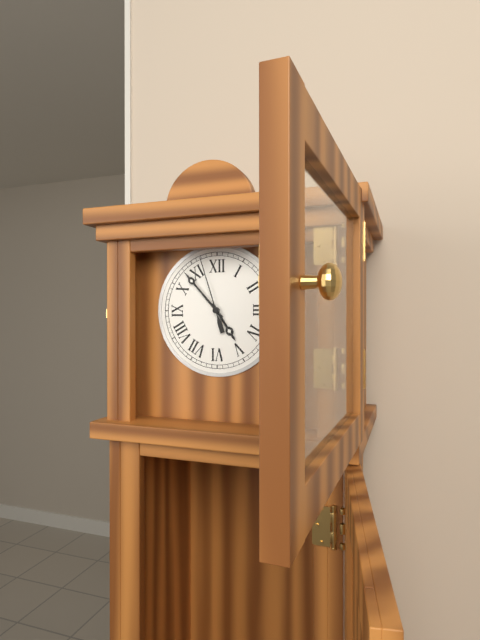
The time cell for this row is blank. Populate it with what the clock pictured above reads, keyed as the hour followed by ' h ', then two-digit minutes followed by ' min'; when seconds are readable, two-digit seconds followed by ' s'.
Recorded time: 4 h 53 min 57 s
